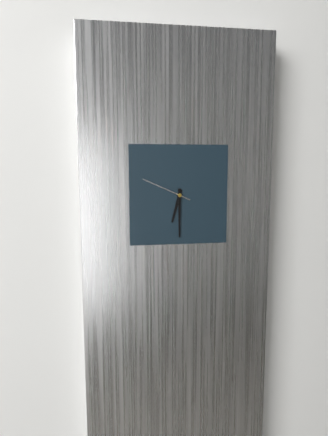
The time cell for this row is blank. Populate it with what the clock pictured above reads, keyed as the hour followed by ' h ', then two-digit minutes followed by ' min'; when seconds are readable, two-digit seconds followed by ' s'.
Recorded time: 6 h 30 min 49 s
